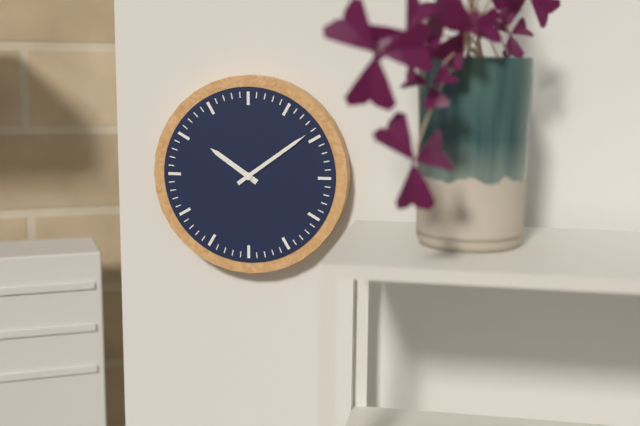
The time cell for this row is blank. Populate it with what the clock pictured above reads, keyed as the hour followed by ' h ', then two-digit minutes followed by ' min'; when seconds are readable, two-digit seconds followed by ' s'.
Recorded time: 10 h 09 min
